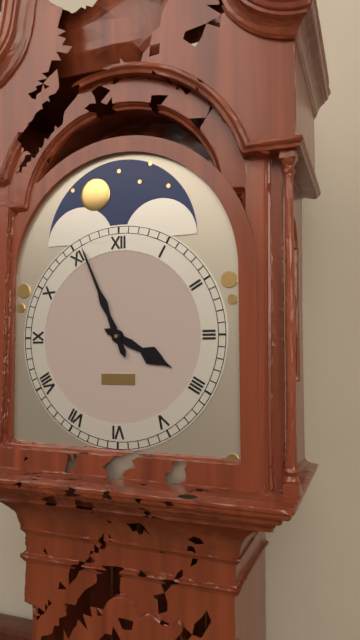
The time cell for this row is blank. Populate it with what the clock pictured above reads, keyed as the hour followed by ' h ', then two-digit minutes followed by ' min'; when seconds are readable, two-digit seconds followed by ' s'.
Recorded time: 3 h 56 min
